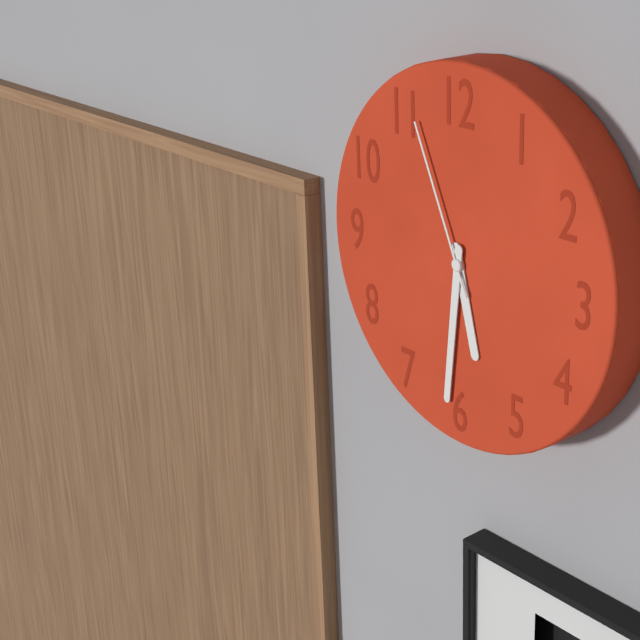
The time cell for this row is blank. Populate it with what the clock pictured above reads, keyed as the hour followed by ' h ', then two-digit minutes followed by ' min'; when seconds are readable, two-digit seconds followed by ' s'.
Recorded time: 5 h 31 min 56 s
